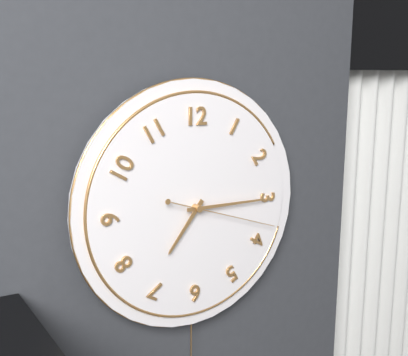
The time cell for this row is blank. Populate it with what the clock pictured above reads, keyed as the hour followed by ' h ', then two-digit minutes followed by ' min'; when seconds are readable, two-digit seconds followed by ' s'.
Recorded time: 7 h 15 min 18 s
